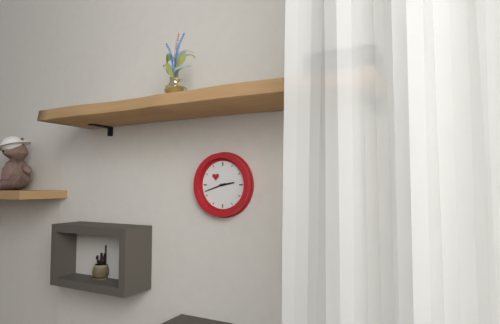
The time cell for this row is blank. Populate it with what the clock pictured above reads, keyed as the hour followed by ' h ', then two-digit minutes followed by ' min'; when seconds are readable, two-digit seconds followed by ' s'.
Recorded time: 2 h 42 min
